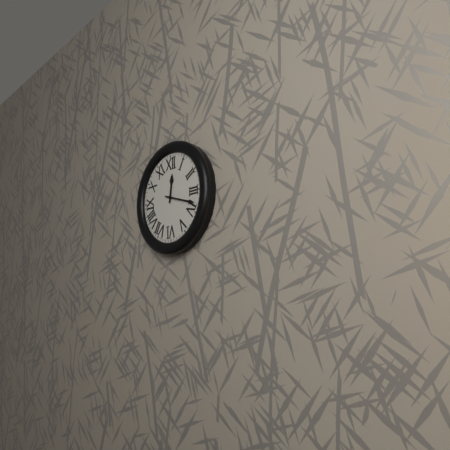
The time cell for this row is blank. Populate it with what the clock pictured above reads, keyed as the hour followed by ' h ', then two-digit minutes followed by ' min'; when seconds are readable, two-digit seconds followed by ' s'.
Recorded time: 12 h 18 min
